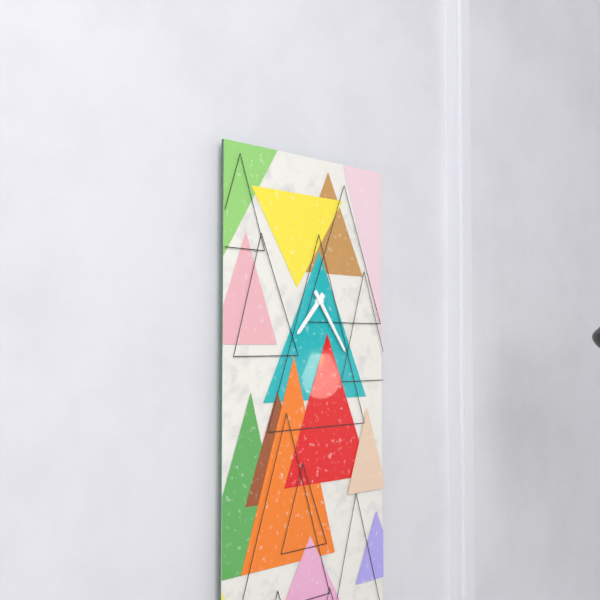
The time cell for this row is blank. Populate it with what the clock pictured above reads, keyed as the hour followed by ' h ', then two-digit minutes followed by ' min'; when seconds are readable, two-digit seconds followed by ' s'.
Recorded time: 7 h 24 min
